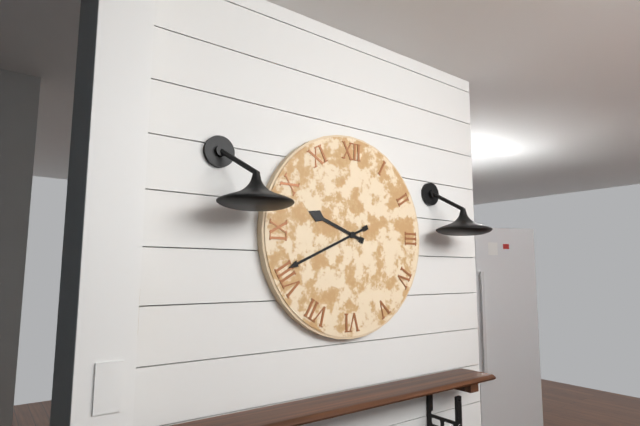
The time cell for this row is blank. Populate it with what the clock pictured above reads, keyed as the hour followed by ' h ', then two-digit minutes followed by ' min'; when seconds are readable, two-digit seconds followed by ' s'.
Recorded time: 9 h 41 min
